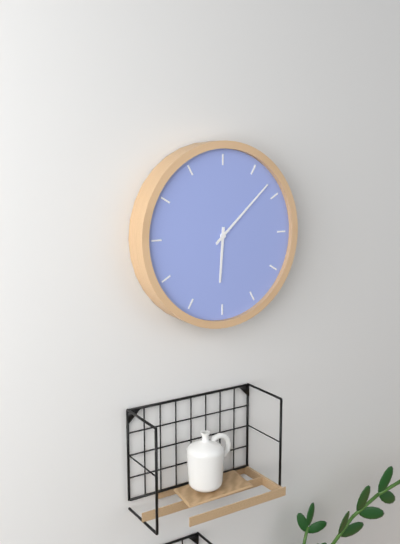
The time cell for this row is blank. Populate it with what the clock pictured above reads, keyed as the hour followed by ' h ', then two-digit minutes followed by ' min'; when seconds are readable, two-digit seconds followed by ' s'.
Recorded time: 6 h 08 min
